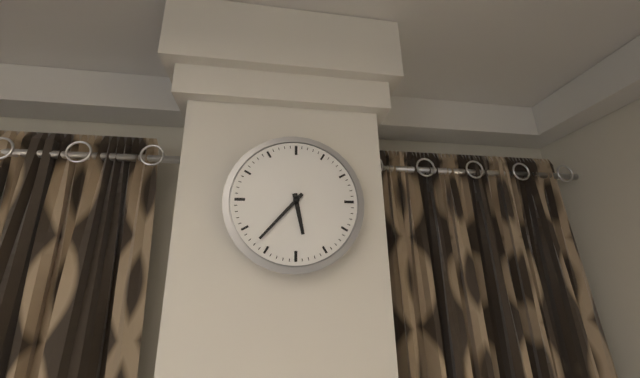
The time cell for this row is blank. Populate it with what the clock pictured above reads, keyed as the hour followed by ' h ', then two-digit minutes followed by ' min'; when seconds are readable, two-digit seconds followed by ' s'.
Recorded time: 5 h 37 min
